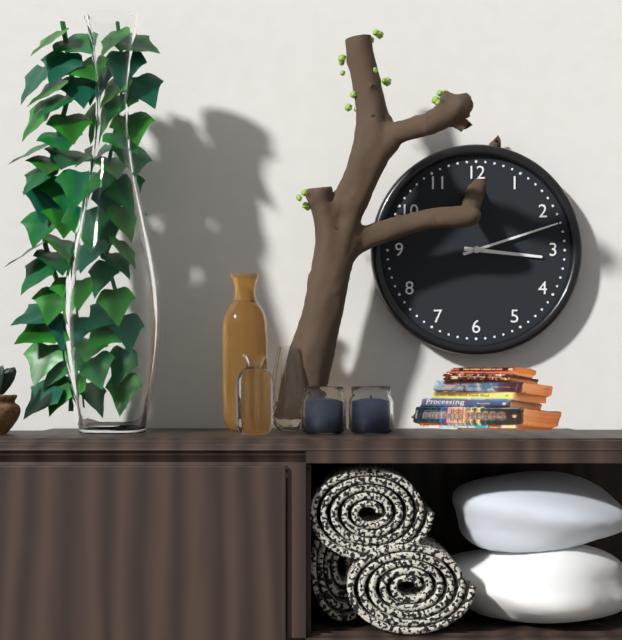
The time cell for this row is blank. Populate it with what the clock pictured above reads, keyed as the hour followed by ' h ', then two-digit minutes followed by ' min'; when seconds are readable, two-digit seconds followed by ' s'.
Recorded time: 3 h 12 min
